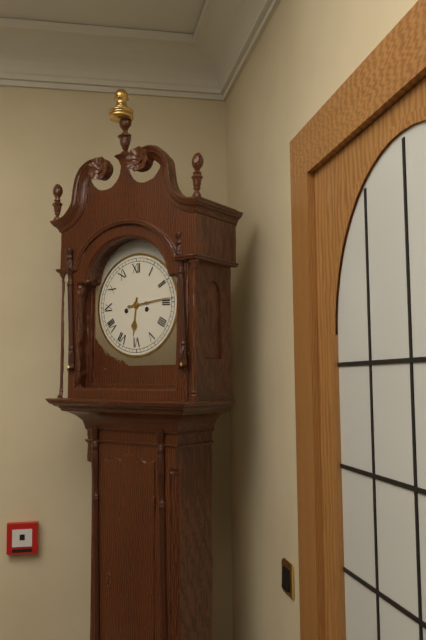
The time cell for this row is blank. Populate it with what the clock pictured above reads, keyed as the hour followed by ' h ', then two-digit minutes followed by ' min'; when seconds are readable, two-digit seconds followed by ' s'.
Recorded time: 6 h 14 min
